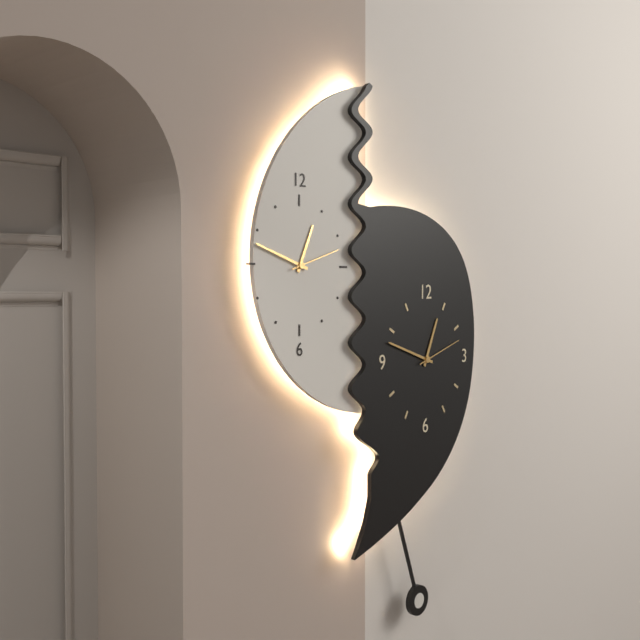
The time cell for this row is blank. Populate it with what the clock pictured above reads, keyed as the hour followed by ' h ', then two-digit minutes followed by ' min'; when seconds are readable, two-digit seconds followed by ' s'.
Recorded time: 12 h 48 min 12 s
